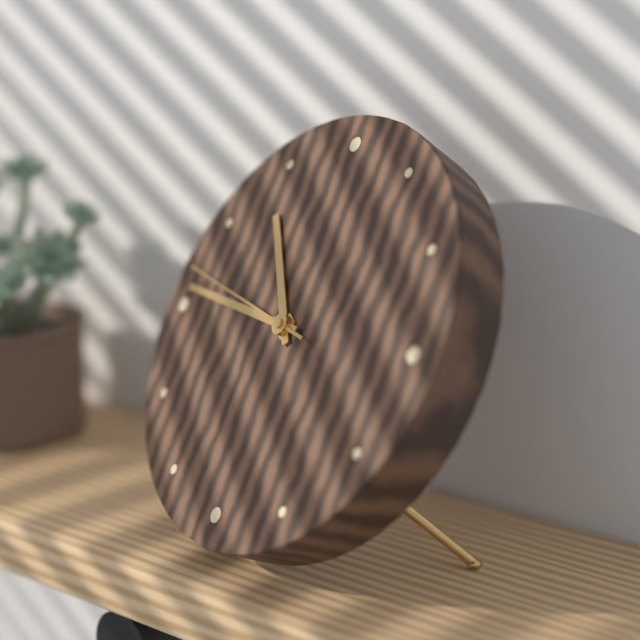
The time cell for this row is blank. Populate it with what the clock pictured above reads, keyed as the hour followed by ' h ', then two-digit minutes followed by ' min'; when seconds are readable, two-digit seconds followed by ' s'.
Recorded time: 10 h 46 min 47 s
